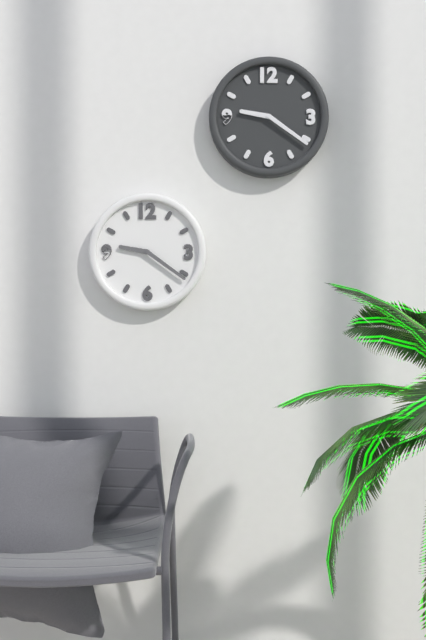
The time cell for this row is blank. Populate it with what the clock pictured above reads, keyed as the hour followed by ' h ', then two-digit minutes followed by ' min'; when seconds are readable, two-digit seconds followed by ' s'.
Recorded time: 9 h 21 min
